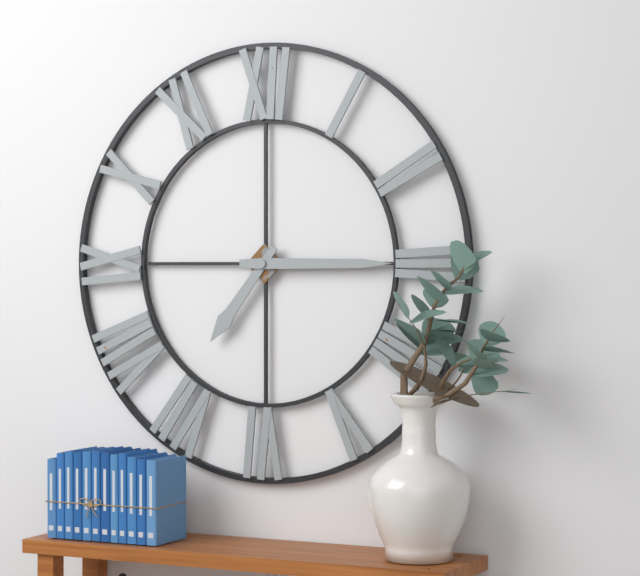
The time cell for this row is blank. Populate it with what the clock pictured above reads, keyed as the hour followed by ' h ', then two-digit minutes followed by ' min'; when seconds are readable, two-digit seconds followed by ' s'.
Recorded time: 7 h 15 min
